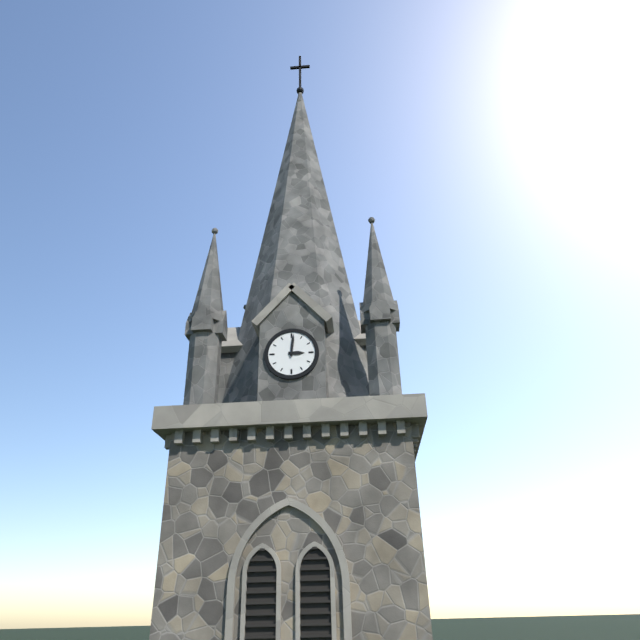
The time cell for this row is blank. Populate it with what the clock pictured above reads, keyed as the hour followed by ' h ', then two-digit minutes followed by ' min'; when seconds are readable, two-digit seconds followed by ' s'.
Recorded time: 3 h 01 min
